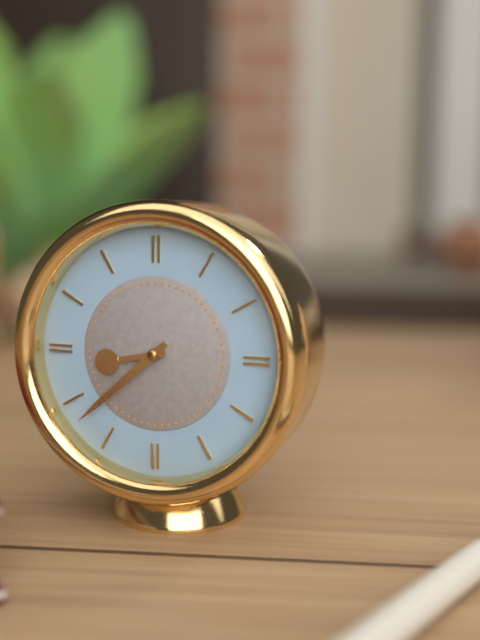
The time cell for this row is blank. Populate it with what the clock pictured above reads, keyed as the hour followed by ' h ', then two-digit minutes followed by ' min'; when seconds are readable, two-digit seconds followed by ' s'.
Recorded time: 8 h 38 min
